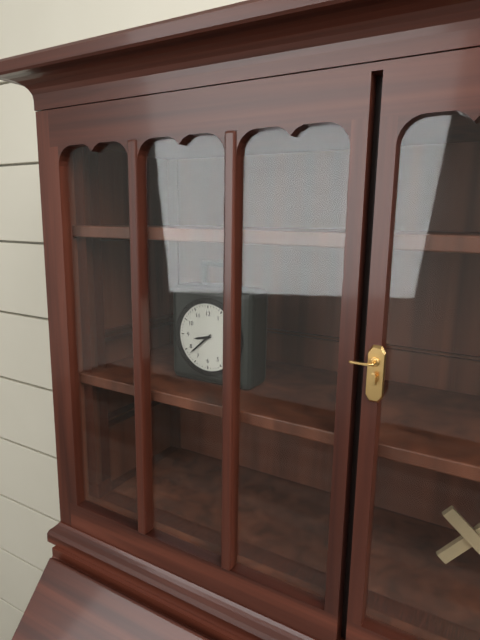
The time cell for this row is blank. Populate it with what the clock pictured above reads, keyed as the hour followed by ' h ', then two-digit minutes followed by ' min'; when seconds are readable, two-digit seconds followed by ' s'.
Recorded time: 8 h 38 min
